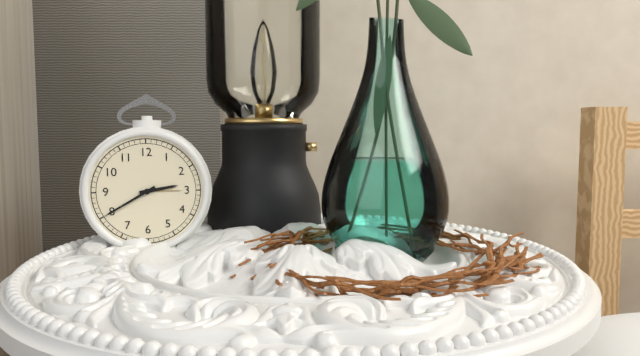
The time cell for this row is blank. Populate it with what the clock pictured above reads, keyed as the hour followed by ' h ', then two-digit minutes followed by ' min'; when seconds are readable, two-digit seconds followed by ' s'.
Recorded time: 2 h 40 min
